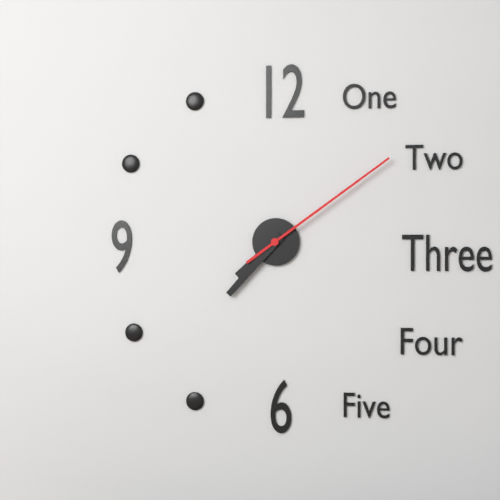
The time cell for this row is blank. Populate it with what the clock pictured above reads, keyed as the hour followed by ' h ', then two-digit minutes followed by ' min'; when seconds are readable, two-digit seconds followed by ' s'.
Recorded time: 7 h 37 min 09 s
